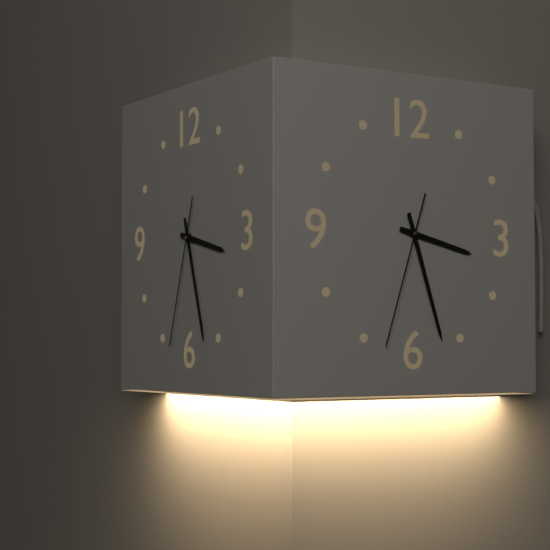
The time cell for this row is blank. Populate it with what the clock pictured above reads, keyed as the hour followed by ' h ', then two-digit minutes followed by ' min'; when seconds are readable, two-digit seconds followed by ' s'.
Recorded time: 3 h 27 min 33 s
